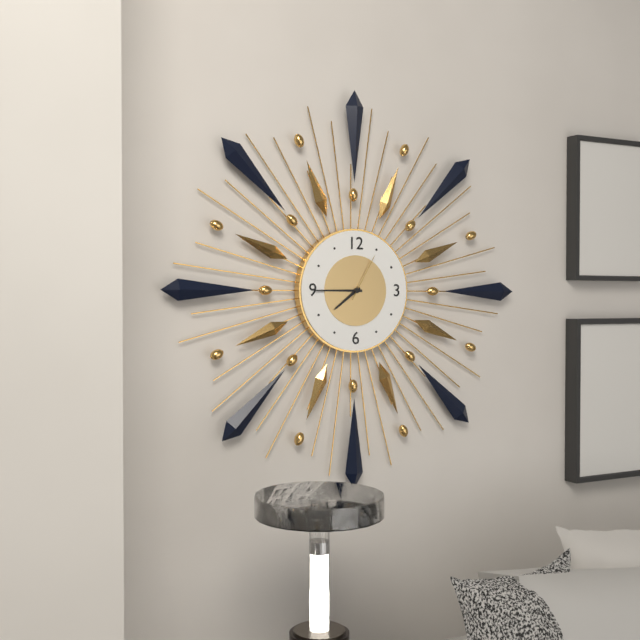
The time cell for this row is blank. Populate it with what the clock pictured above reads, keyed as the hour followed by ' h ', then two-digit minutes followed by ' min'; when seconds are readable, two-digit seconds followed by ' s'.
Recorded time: 7 h 45 min 05 s
